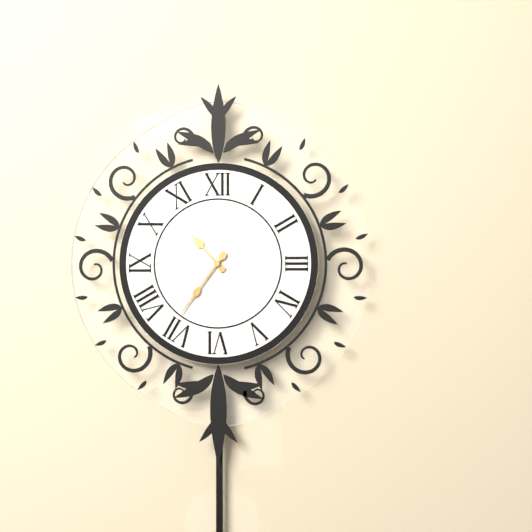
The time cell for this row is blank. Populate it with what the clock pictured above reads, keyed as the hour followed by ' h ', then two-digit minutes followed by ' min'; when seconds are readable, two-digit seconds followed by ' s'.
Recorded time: 10 h 36 min
